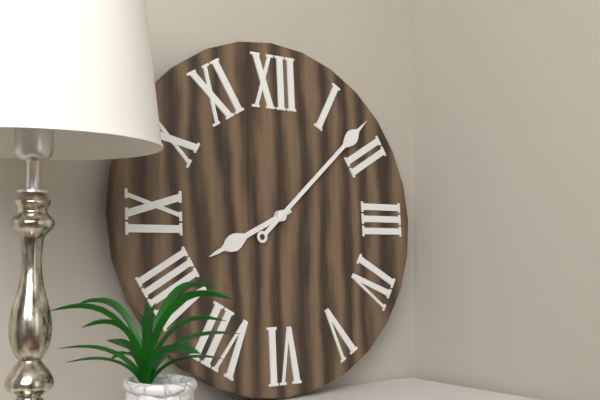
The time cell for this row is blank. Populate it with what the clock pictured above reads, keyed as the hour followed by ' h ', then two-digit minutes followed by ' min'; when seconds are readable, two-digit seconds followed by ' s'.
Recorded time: 8 h 08 min
